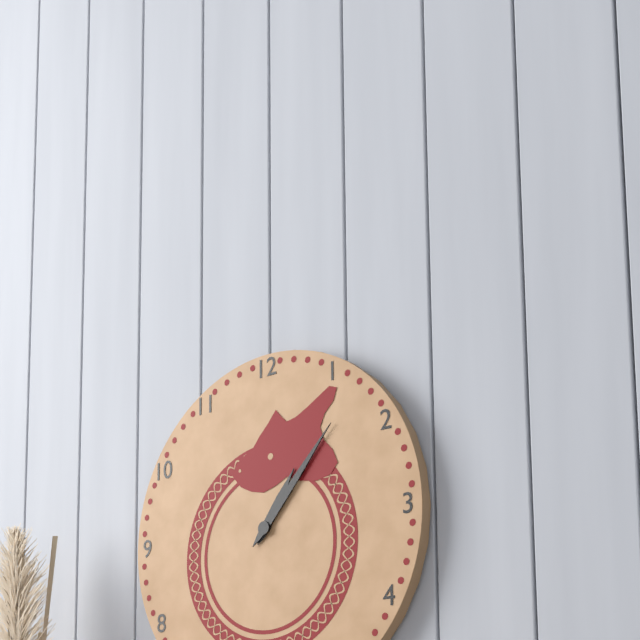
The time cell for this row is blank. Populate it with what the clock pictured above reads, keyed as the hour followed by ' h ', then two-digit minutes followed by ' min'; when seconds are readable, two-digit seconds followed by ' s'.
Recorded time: 1 h 07 min
